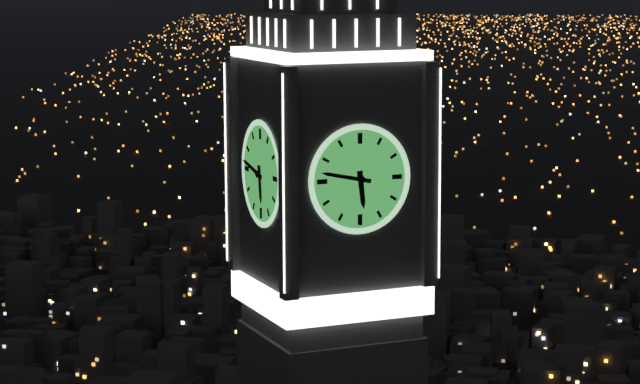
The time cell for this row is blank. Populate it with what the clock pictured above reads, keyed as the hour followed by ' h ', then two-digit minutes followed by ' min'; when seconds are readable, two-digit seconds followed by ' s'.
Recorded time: 5 h 47 min
